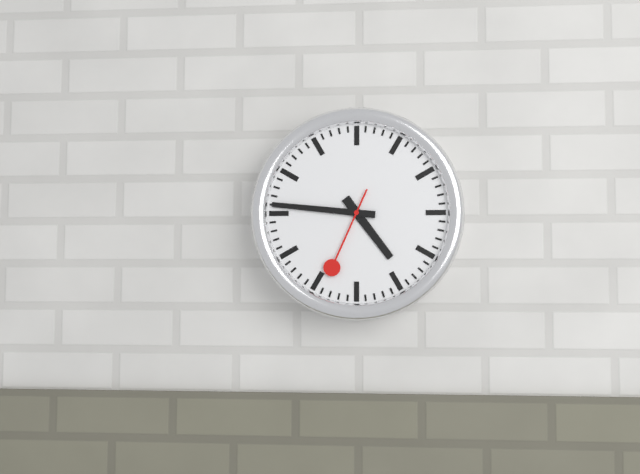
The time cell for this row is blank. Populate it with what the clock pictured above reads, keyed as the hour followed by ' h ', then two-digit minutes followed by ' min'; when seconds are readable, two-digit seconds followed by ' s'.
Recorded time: 4 h 46 min 34 s
